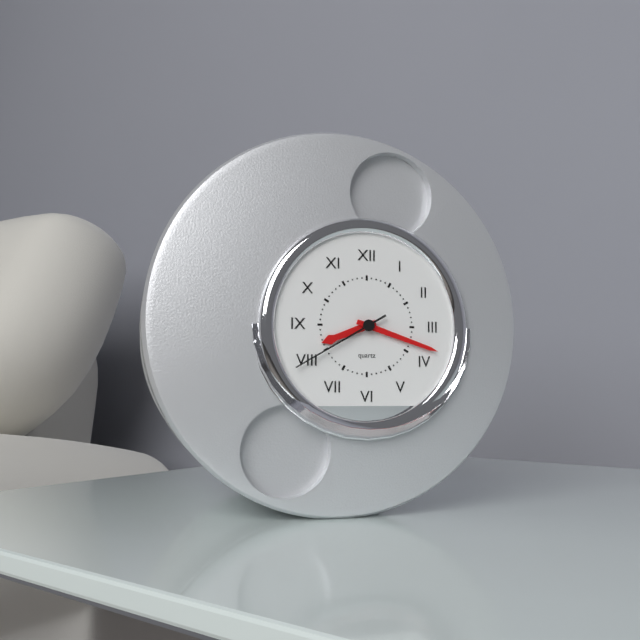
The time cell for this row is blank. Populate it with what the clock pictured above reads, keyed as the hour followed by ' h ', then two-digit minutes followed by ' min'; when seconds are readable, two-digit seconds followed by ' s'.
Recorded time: 8 h 18 min 40 s
